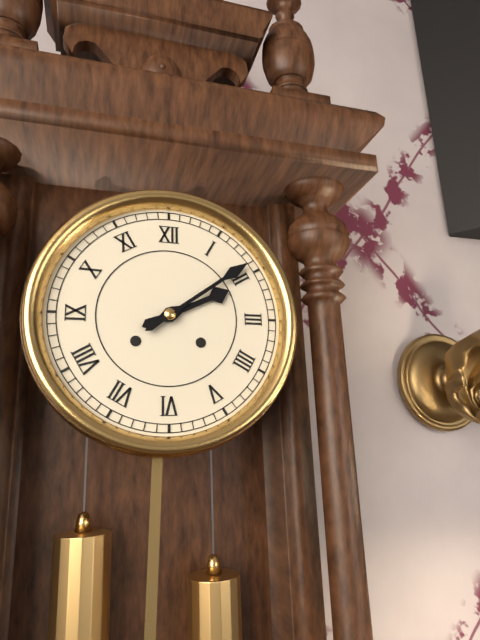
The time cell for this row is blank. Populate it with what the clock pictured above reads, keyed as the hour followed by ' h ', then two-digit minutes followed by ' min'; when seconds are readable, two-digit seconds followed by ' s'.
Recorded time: 2 h 09 min
